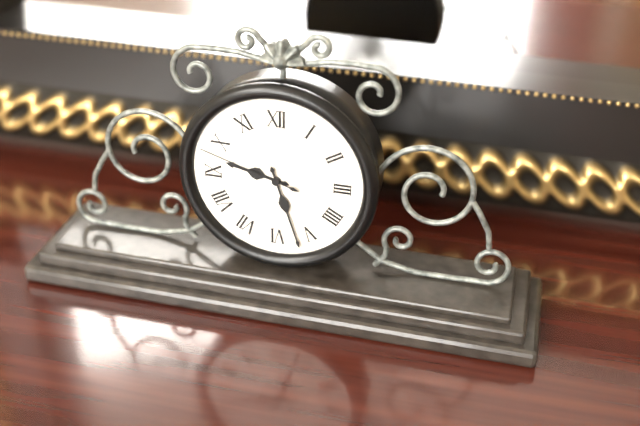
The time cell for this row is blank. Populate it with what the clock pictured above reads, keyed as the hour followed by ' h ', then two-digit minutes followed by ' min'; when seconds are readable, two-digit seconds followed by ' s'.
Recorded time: 9 h 27 min 48 s
